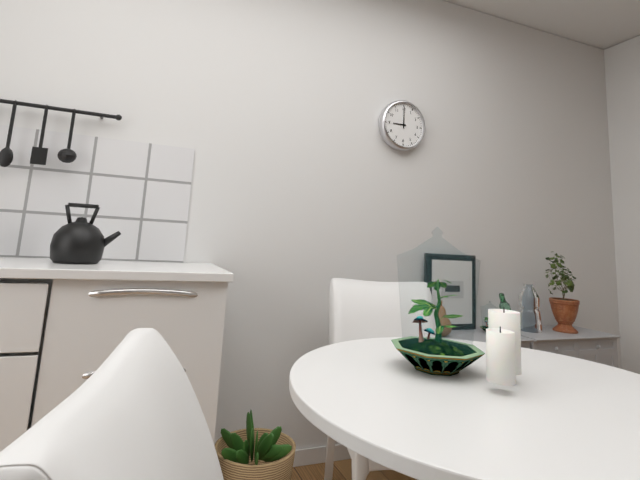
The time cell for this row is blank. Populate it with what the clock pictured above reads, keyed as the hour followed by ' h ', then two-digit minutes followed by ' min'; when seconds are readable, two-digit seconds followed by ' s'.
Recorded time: 9 h 00 min
